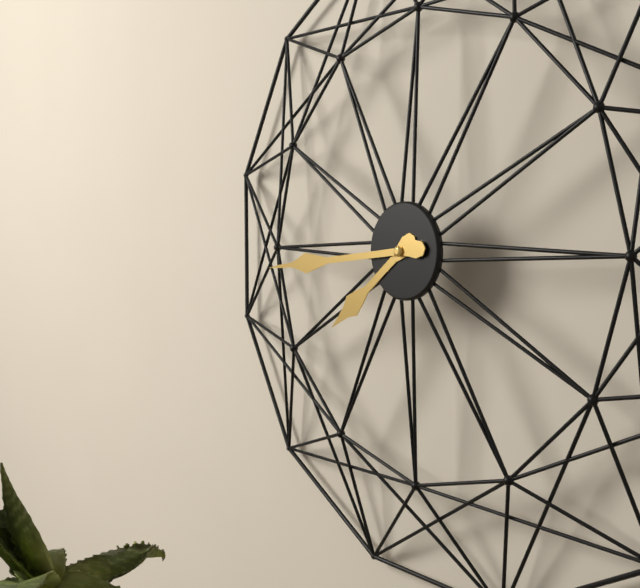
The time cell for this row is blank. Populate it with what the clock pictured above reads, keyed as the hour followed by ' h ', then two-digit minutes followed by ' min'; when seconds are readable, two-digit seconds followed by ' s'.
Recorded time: 7 h 44 min
